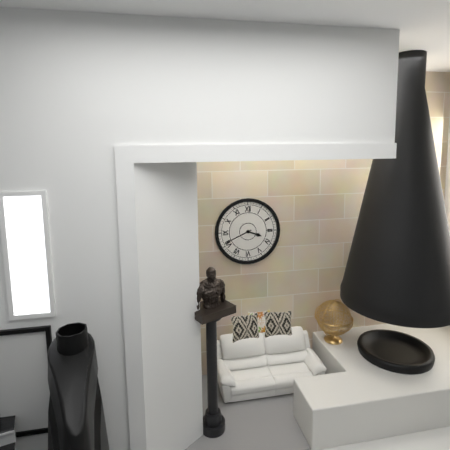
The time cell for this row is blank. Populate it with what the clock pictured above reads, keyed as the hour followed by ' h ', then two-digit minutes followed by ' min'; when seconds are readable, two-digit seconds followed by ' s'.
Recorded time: 3 h 41 min
